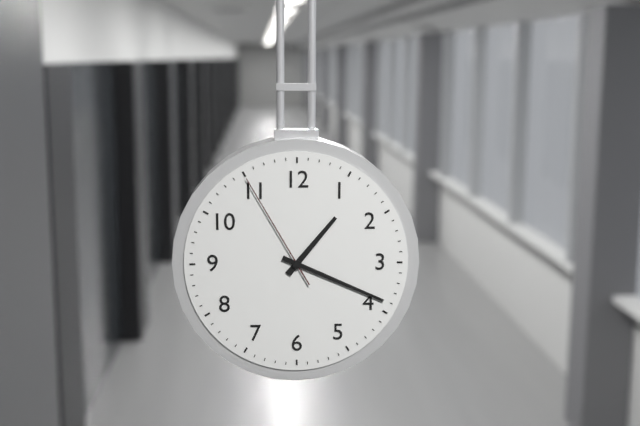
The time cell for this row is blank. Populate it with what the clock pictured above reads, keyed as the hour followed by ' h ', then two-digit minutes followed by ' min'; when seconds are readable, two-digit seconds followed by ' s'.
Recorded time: 1 h 19 min 55 s
